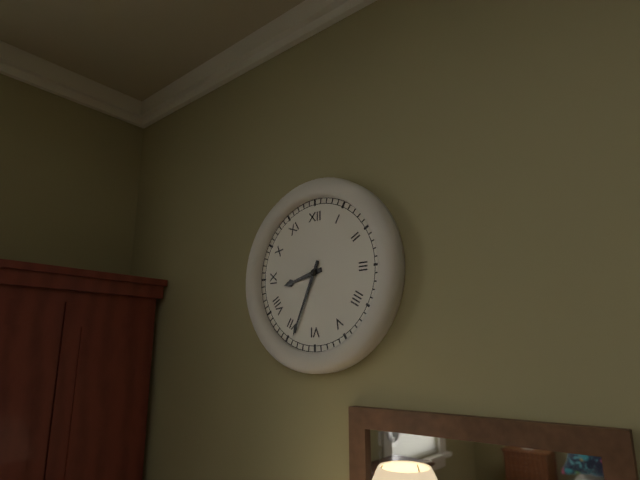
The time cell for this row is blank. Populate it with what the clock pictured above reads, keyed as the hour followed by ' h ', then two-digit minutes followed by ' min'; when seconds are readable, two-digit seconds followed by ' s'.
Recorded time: 8 h 34 min
